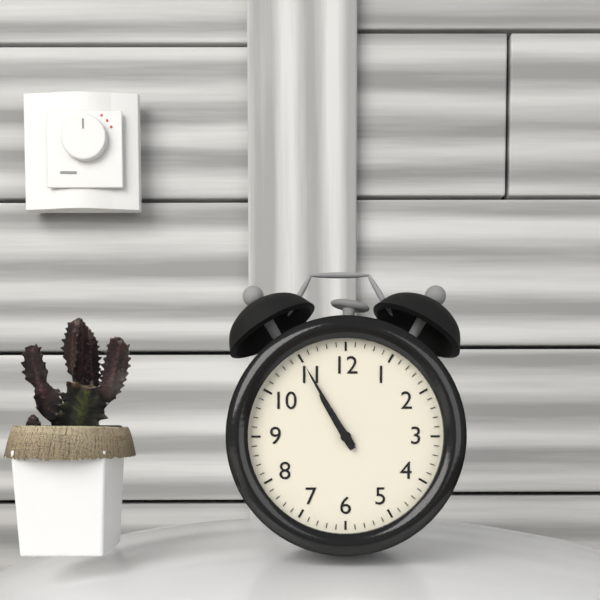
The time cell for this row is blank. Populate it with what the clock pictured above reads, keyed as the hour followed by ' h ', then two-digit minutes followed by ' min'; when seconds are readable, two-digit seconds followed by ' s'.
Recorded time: 10 h 55 min
